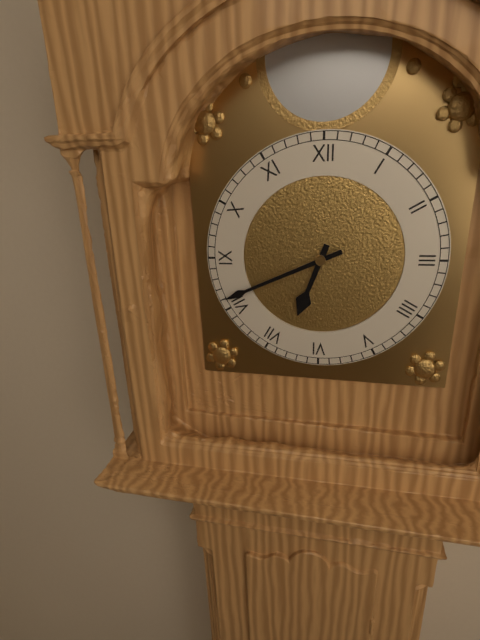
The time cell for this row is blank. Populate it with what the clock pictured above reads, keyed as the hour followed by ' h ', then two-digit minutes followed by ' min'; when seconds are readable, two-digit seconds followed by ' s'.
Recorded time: 6 h 41 min
